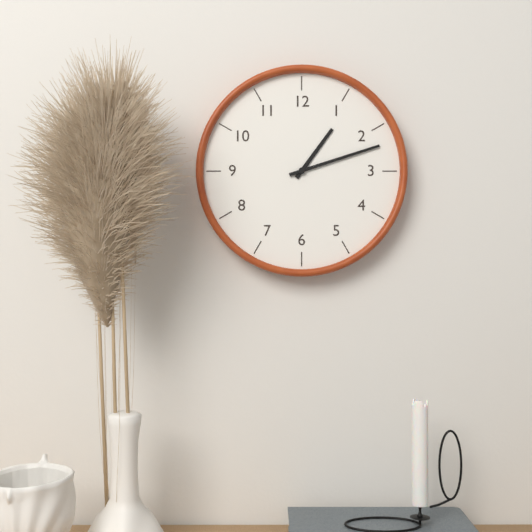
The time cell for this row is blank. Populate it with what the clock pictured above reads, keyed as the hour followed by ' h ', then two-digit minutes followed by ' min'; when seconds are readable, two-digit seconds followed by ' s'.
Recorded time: 1 h 12 min
